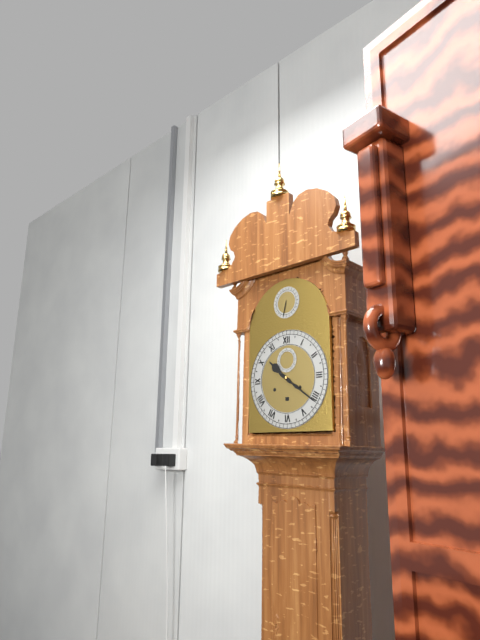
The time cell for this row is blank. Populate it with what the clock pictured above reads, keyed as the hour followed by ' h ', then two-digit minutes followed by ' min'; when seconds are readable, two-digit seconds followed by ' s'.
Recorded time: 10 h 21 min
